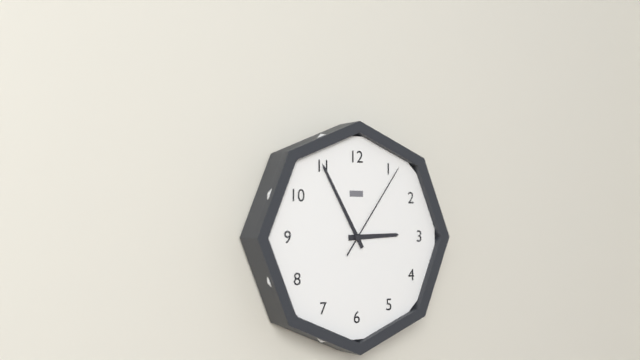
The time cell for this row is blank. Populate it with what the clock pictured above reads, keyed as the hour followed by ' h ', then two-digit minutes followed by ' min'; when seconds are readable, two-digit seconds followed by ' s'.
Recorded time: 2 h 55 min 06 s
